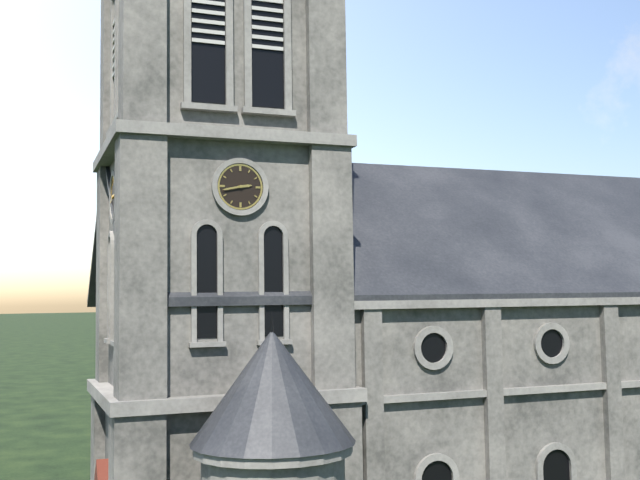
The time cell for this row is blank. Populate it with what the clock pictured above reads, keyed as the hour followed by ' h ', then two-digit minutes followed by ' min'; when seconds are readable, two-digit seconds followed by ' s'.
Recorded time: 2 h 43 min
